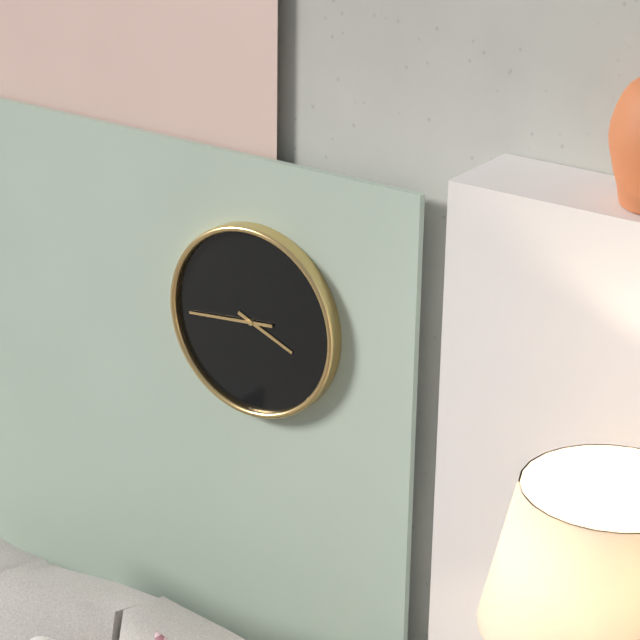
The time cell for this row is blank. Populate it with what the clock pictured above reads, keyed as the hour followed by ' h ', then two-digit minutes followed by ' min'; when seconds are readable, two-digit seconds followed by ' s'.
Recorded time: 3 h 44 min
